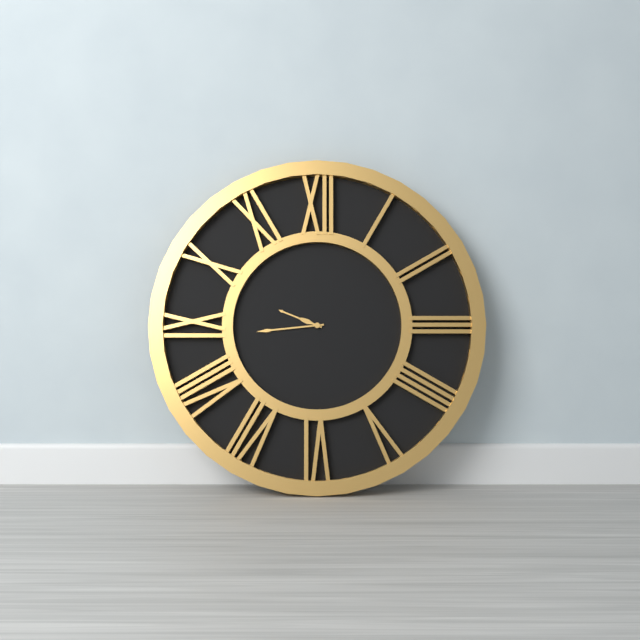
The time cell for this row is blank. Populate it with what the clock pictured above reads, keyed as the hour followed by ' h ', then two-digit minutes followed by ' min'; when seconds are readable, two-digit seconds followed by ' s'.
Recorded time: 9 h 44 min
